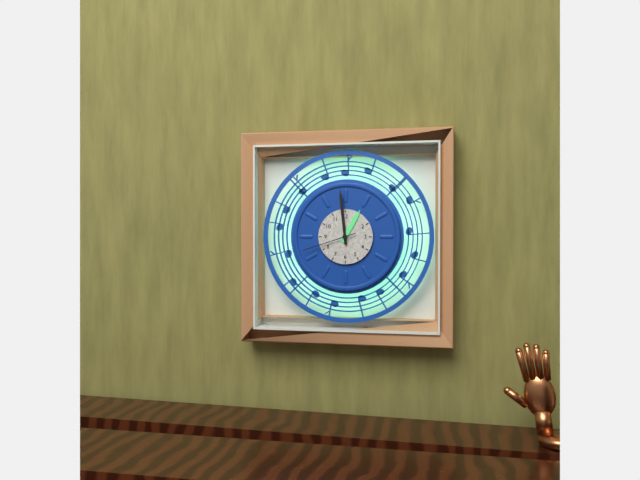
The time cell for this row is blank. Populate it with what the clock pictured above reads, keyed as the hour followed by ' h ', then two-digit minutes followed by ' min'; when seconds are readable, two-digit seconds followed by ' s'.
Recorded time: 12 h 59 min 42 s
